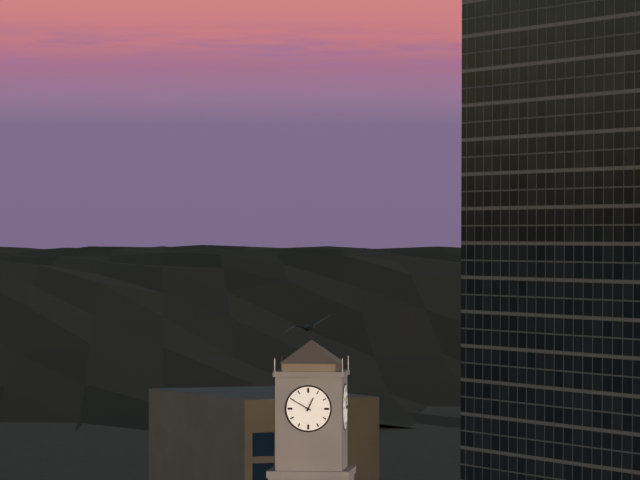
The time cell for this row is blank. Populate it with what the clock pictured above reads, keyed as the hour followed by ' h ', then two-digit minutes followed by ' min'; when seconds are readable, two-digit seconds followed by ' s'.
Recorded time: 12 h 50 min
